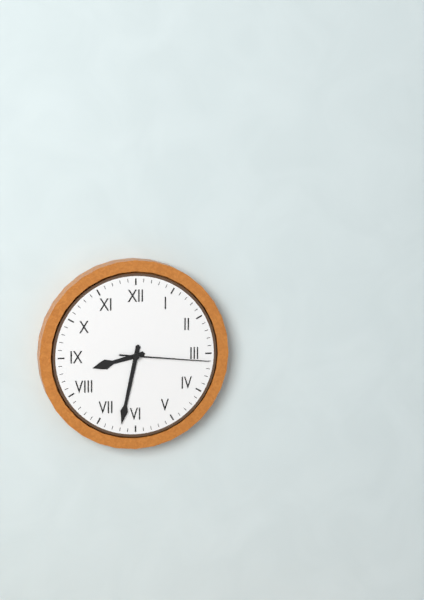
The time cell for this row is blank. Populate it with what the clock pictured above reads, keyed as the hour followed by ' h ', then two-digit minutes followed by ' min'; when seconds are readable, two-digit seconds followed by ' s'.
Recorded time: 8 h 32 min 16 s
